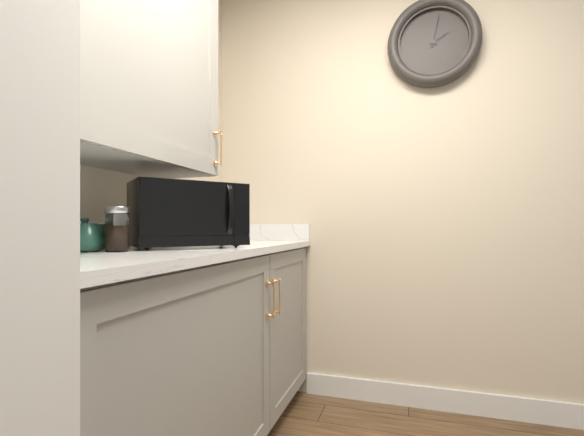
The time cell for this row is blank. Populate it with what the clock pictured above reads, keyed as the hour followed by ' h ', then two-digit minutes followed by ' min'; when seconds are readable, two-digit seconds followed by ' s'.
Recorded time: 2 h 02 min
